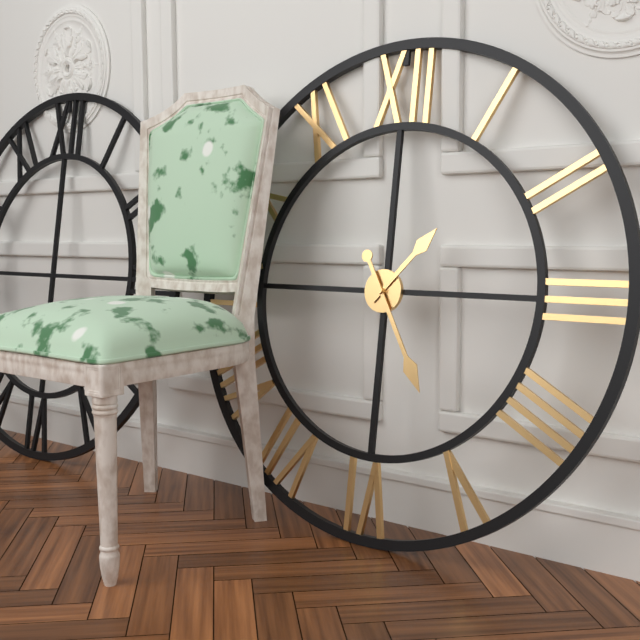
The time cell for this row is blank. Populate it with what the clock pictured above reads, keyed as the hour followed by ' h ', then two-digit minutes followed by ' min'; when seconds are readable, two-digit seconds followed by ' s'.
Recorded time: 1 h 25 min
